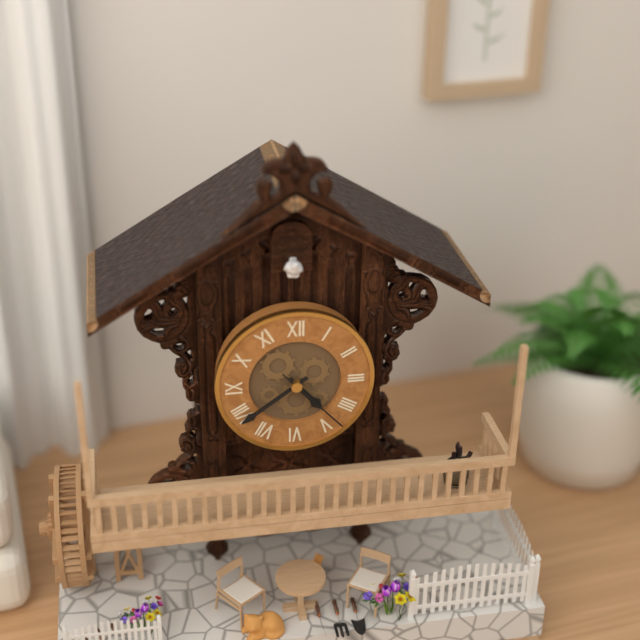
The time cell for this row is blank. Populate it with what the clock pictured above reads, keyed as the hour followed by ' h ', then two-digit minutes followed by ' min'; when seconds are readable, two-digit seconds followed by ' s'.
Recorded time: 4 h 39 min 23 s
